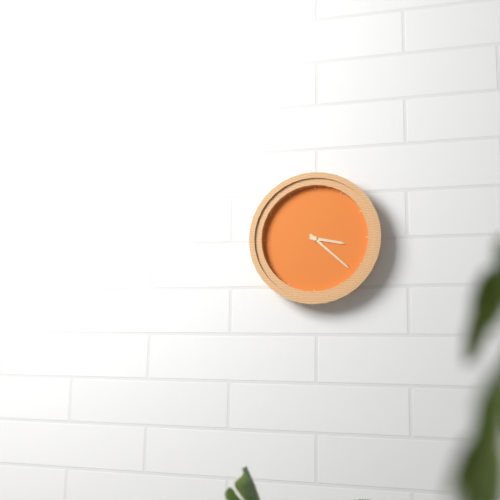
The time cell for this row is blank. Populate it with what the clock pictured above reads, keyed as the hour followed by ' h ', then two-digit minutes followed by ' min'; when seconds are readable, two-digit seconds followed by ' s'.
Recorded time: 3 h 22 min
